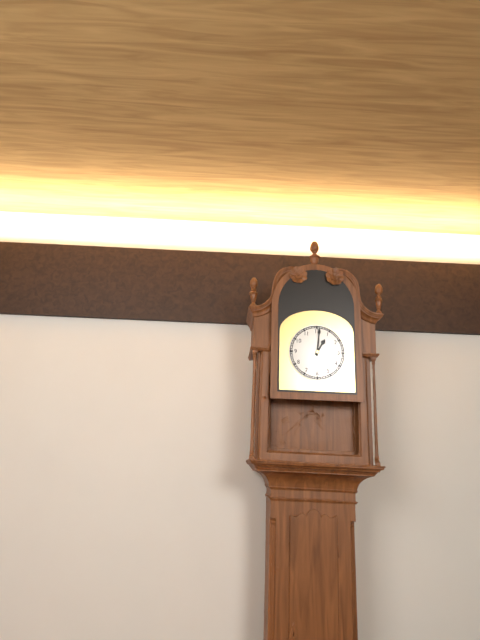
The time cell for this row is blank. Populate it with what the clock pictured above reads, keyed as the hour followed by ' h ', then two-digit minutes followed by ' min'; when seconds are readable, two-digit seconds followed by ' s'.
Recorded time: 1 h 01 min
